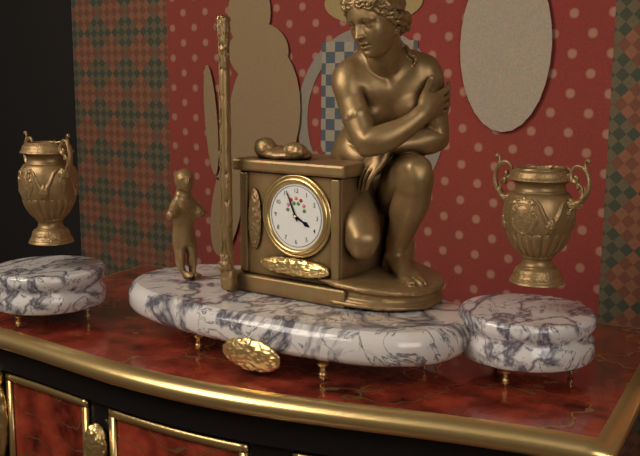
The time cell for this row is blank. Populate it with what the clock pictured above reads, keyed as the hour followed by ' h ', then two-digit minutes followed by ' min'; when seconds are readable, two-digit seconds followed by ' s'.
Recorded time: 3 h 56 min
